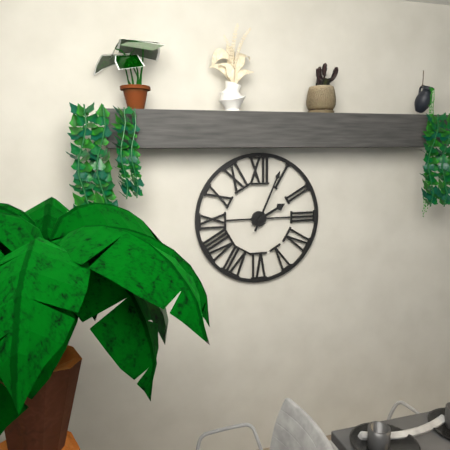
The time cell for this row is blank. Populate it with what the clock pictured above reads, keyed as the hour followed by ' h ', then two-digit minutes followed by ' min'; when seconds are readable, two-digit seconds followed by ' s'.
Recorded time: 2 h 04 min
